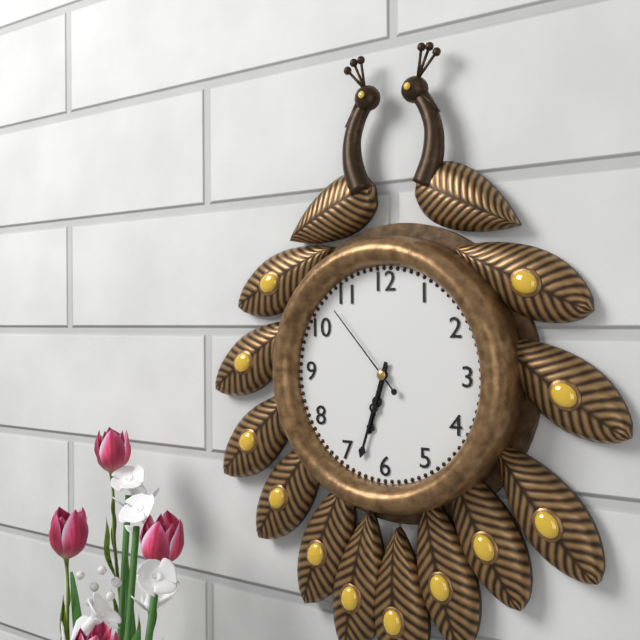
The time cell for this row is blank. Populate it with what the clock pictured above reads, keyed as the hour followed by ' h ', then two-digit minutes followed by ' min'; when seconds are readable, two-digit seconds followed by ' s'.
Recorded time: 6 h 33 min 53 s
